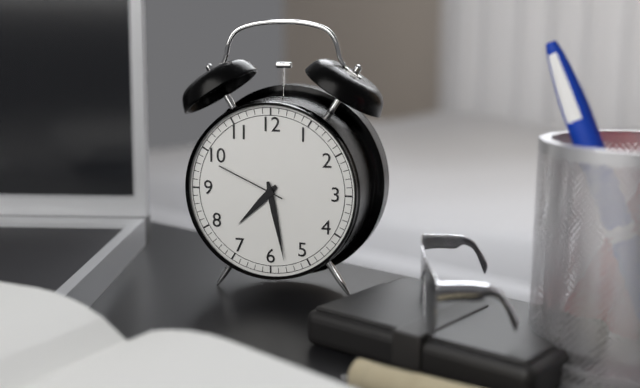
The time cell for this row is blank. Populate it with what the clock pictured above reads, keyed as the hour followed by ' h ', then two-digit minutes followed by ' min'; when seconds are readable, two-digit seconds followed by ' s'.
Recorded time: 7 h 28 min 49 s
